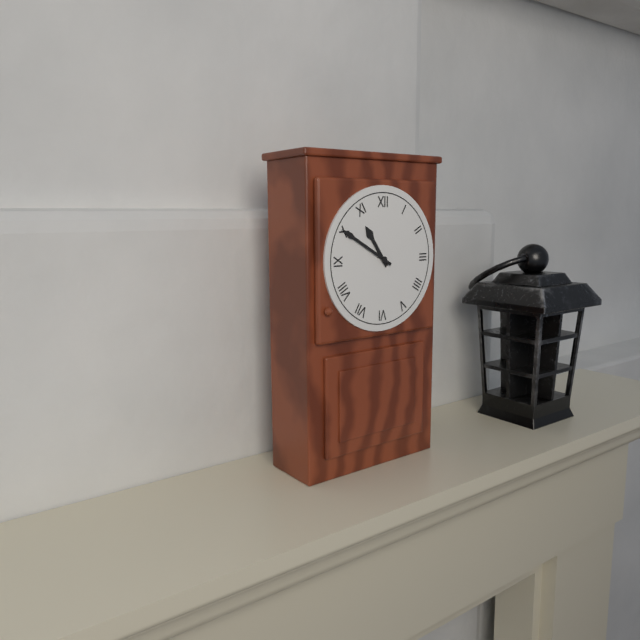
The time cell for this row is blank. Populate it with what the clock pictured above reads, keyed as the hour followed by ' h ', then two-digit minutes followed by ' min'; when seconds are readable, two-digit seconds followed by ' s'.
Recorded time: 10 h 50 min
